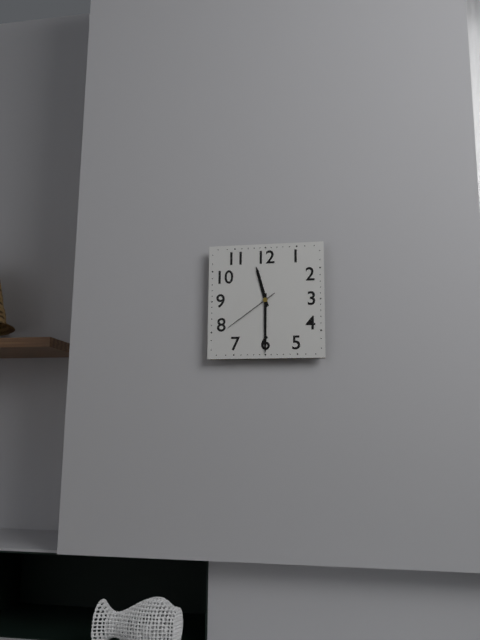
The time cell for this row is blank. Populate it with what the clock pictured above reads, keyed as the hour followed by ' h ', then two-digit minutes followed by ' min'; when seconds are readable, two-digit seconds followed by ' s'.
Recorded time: 11 h 30 min 39 s
